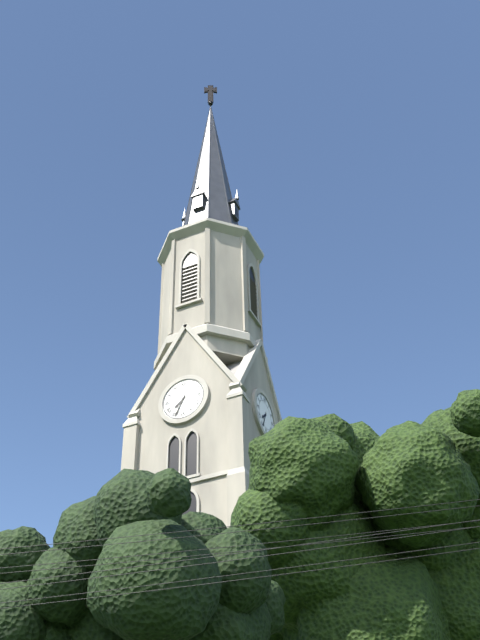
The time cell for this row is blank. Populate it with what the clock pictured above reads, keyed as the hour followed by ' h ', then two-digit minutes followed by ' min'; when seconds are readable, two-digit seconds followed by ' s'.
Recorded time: 7 h 34 min
